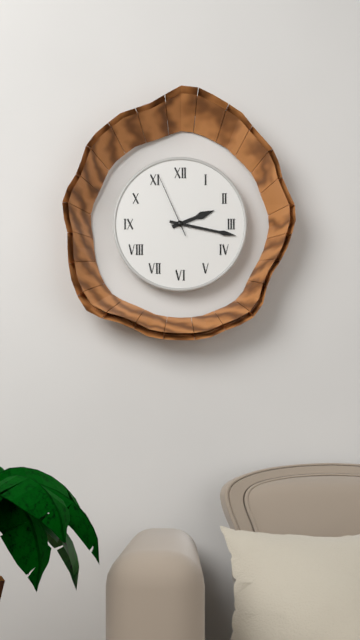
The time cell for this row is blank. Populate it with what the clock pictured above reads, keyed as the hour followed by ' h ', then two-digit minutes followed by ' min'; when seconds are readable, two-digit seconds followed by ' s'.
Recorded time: 2 h 17 min 56 s
